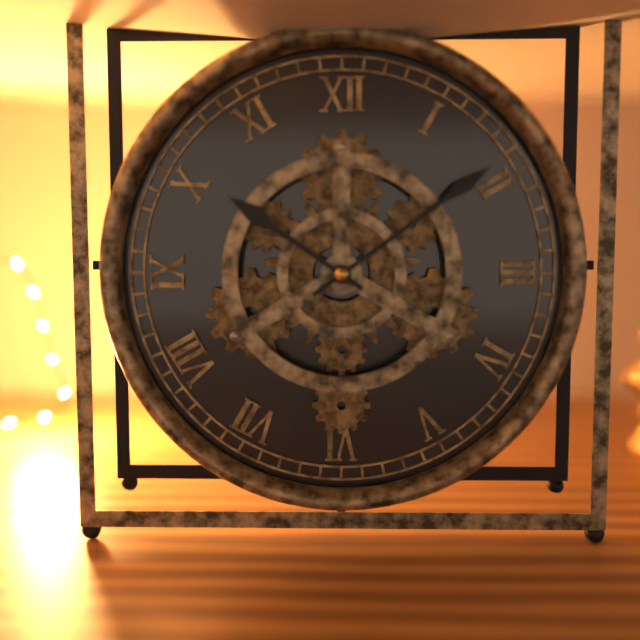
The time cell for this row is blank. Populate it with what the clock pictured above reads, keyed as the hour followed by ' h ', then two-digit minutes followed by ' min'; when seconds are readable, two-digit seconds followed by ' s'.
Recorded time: 10 h 09 min
